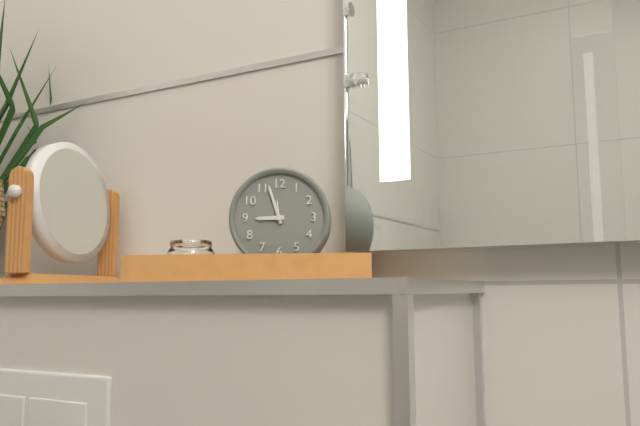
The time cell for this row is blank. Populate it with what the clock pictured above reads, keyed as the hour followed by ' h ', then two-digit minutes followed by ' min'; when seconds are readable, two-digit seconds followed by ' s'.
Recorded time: 8 h 57 min
